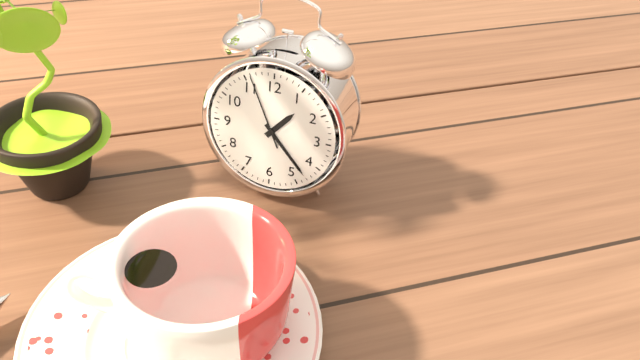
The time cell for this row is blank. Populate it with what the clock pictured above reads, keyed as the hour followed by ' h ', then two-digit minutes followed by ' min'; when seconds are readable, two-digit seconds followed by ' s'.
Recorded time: 1 h 23 min 56 s
